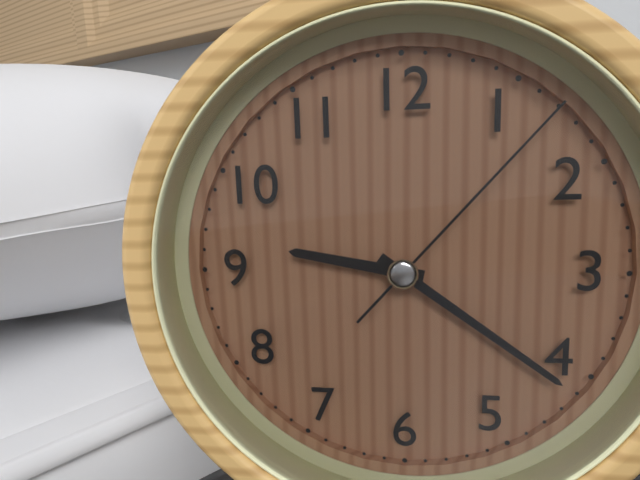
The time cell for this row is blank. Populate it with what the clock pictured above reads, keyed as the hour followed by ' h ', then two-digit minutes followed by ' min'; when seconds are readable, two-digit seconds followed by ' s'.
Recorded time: 9 h 21 min 07 s
